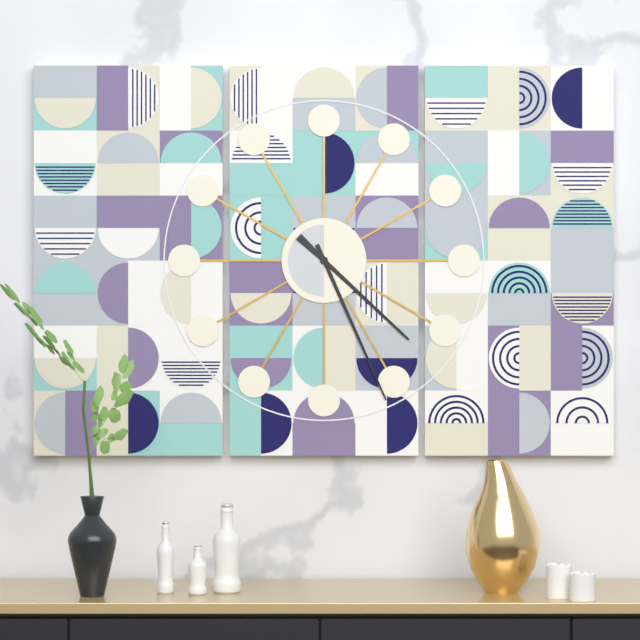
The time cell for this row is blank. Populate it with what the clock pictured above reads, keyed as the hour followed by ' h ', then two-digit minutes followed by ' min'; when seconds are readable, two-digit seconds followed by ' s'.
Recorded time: 4 h 26 min
